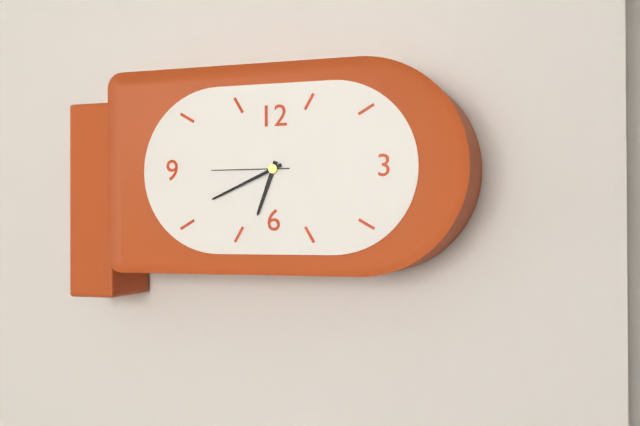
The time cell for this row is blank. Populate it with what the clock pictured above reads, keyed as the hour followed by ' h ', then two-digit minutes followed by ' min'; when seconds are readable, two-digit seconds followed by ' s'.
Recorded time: 6 h 41 min 45 s
